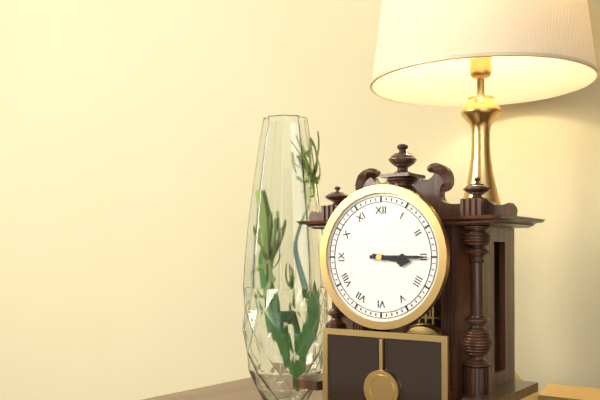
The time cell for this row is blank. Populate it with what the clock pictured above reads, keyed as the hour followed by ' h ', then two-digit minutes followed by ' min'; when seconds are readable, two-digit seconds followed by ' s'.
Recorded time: 3 h 15 min
